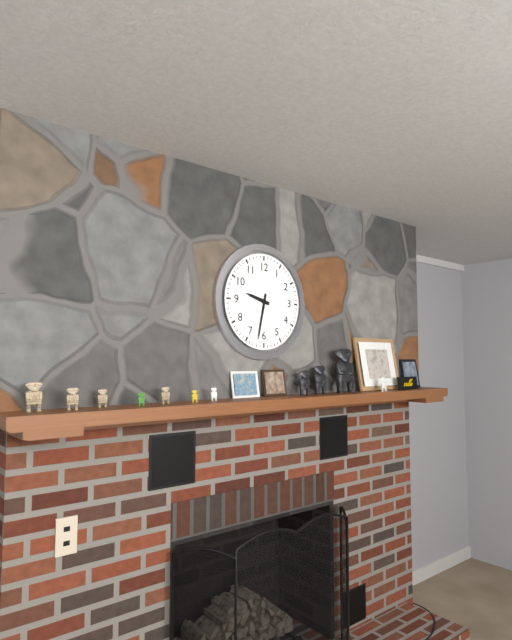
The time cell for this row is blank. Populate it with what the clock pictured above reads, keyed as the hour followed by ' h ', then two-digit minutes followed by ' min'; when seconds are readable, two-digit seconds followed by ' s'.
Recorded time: 9 h 32 min
